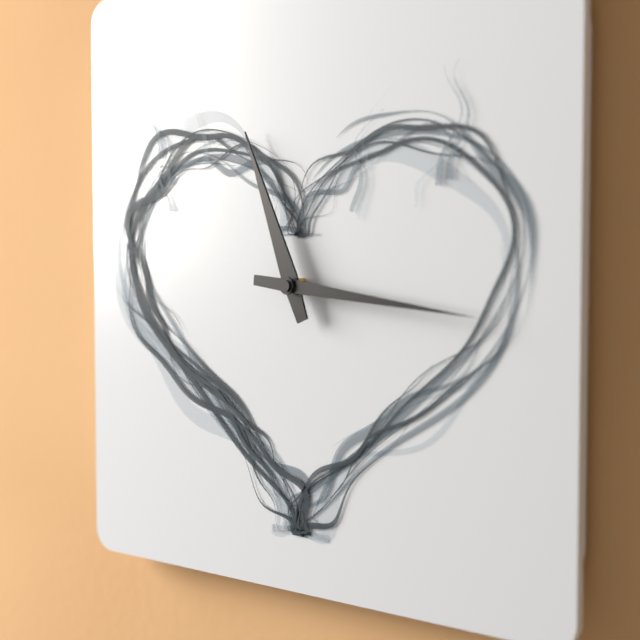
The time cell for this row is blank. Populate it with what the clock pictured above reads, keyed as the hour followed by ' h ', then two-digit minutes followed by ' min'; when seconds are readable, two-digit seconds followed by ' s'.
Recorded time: 11 h 16 min
